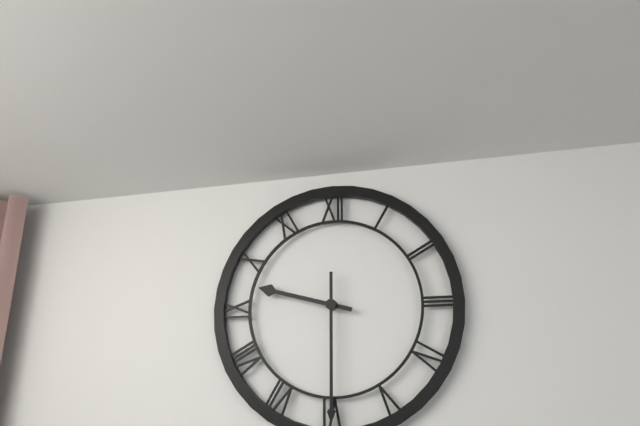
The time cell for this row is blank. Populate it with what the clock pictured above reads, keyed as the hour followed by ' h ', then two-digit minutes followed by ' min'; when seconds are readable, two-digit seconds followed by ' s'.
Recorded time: 9 h 30 min
